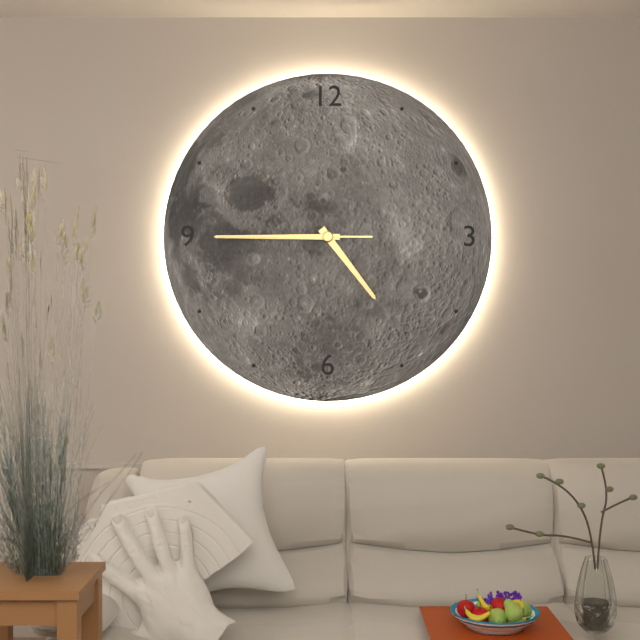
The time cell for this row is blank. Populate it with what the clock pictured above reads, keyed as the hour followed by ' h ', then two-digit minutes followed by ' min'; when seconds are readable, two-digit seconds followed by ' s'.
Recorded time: 4 h 45 min 45 s
